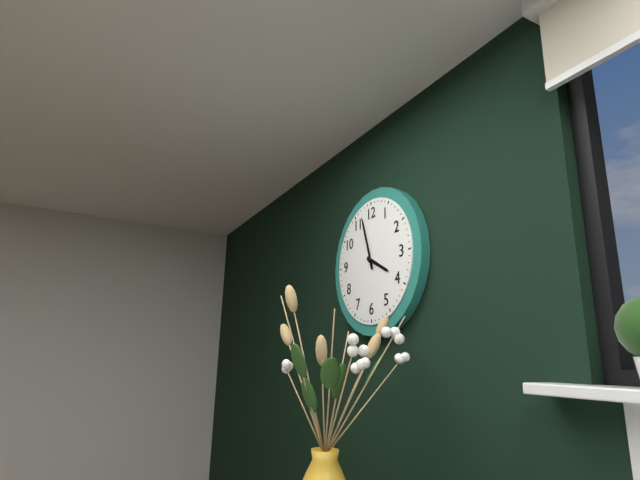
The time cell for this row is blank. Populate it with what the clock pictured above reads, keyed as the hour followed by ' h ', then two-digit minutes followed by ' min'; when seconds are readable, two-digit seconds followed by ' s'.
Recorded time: 3 h 57 min
